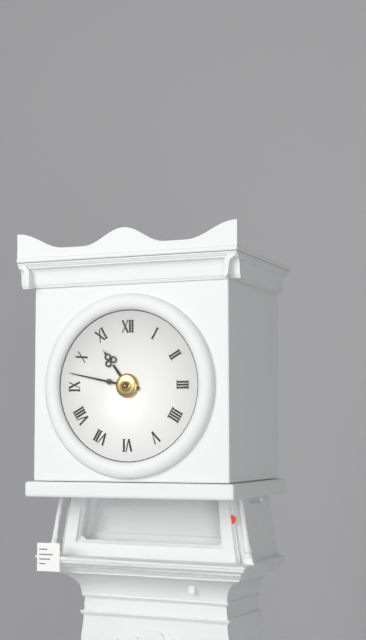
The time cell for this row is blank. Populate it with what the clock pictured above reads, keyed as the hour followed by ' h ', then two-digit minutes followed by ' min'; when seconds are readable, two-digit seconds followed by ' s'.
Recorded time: 10 h 47 min
